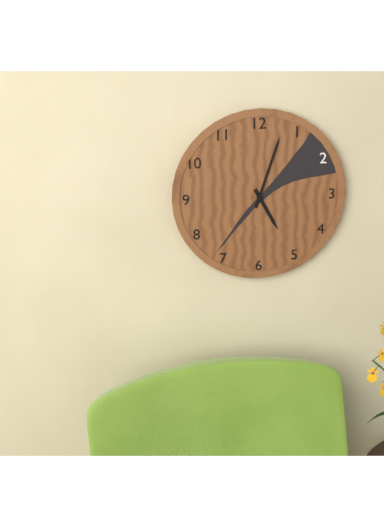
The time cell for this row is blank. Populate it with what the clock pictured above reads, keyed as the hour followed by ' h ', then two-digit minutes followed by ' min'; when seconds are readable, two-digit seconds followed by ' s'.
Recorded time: 5 h 03 min
